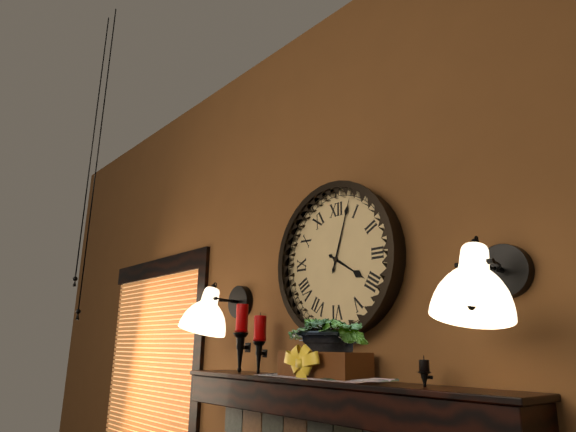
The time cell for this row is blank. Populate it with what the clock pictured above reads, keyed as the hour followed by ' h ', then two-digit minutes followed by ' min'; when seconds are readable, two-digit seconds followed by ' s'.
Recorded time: 4 h 03 min
